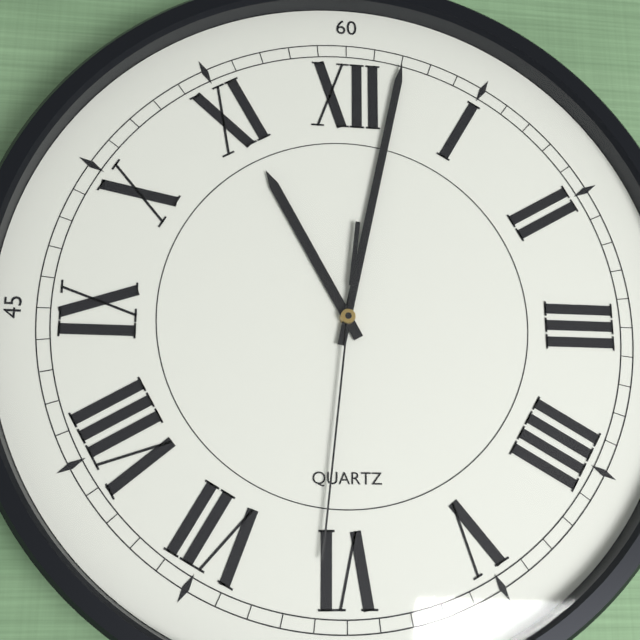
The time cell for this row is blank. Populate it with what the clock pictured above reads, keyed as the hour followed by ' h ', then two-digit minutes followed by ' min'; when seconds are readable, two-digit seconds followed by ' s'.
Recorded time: 11 h 02 min 31 s
